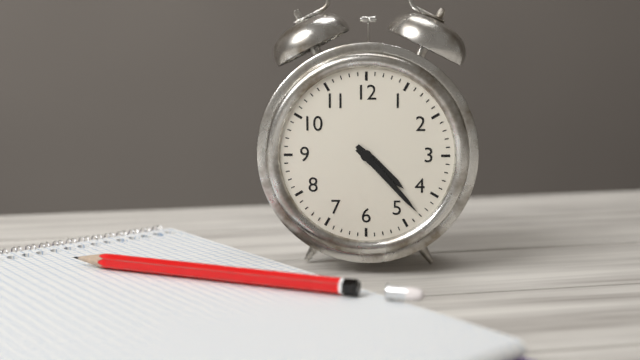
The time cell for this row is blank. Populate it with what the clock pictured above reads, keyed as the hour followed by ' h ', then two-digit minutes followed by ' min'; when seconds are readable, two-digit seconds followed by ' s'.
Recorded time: 4 h 23 min
